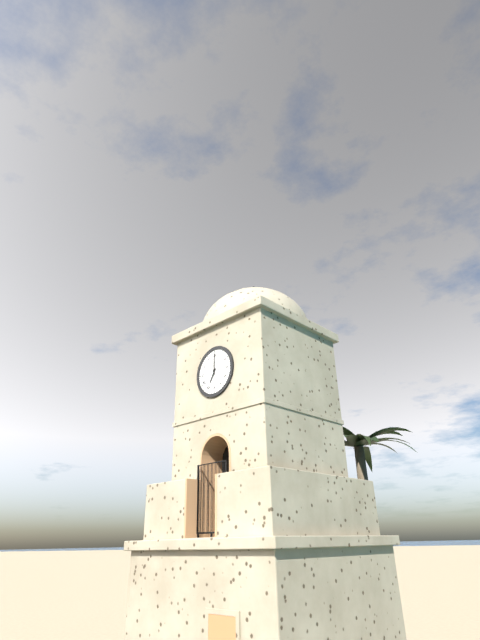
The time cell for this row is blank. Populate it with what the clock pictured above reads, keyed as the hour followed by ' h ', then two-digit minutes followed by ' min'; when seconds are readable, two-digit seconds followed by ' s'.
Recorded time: 7 h 00 min
